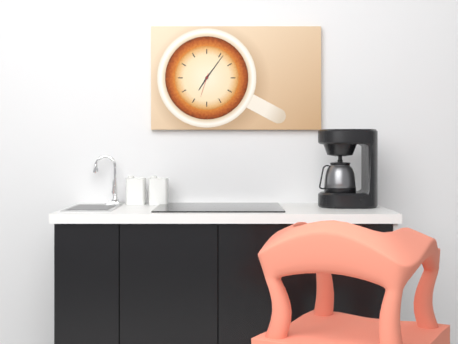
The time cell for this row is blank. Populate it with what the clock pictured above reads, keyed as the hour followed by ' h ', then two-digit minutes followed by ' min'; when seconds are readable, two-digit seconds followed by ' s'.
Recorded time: 7 h 06 min
